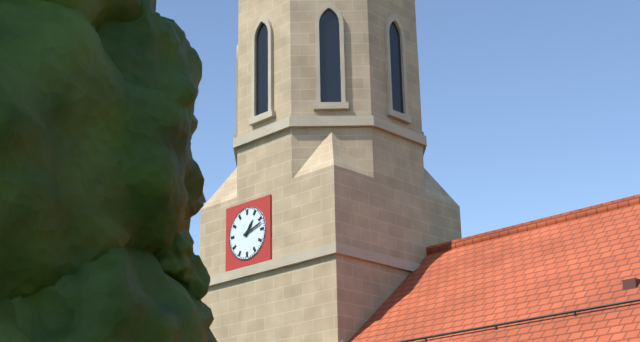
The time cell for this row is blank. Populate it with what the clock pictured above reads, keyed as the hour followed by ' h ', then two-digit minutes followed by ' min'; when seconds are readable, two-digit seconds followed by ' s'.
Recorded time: 1 h 12 min
